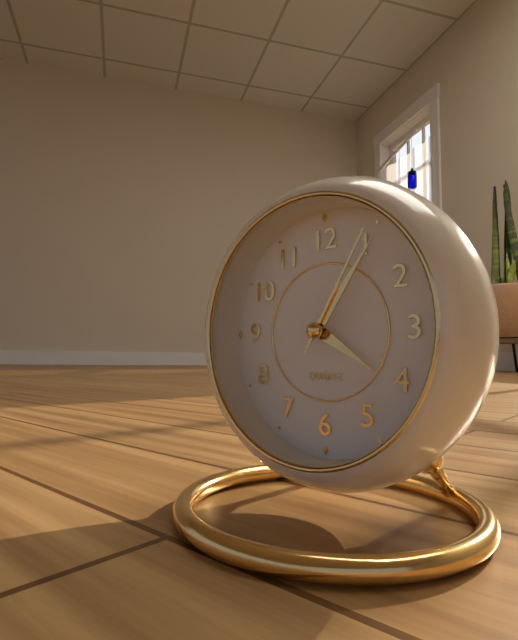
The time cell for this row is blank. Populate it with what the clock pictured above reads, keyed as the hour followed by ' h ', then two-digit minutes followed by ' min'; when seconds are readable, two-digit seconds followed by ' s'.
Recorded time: 4 h 06 min 05 s
